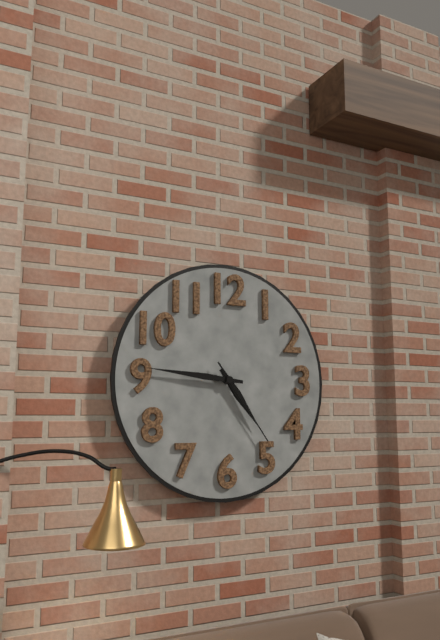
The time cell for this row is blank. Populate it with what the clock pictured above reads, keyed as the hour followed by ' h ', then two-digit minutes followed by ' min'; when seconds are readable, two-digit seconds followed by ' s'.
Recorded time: 4 h 46 min 24 s
